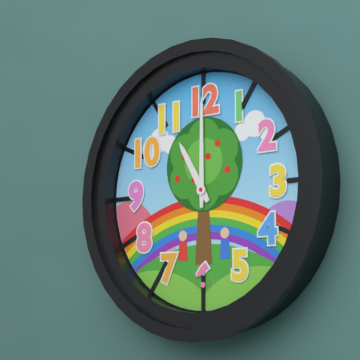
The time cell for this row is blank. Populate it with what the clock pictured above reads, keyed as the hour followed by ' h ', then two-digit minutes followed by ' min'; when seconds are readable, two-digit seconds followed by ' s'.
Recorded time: 11 h 00 min
